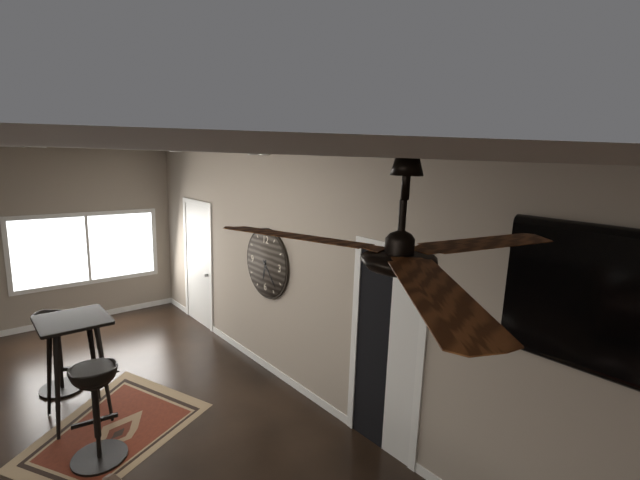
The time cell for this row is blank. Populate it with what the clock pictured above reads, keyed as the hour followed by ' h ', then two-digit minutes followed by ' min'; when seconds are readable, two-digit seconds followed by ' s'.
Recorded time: 6 h 23 min
